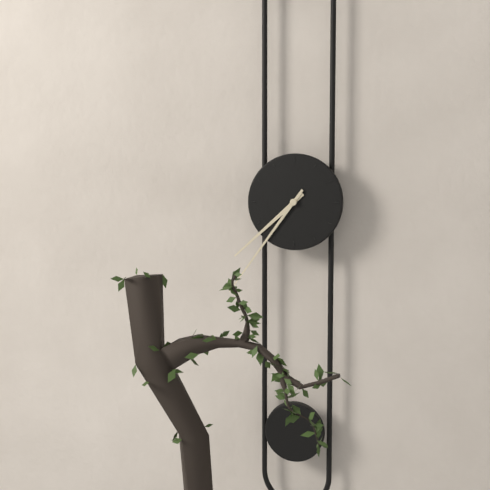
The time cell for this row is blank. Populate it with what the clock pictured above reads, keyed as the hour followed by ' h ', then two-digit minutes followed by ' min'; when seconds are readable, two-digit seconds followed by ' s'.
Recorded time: 7 h 36 min
